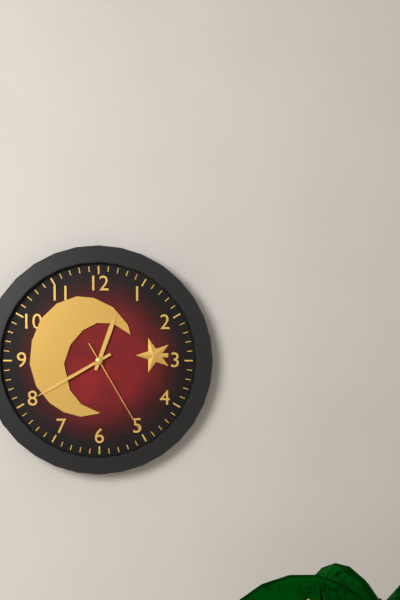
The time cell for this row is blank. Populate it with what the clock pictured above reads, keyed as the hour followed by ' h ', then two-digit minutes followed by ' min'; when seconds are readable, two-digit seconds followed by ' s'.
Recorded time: 12 h 40 min 25 s
